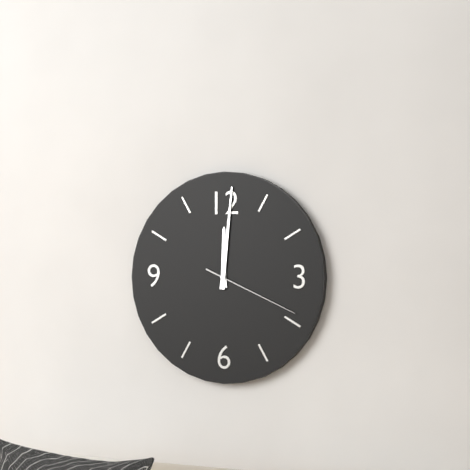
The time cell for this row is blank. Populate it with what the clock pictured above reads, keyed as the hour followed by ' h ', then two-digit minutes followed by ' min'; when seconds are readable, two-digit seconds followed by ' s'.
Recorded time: 12 h 01 min 19 s
